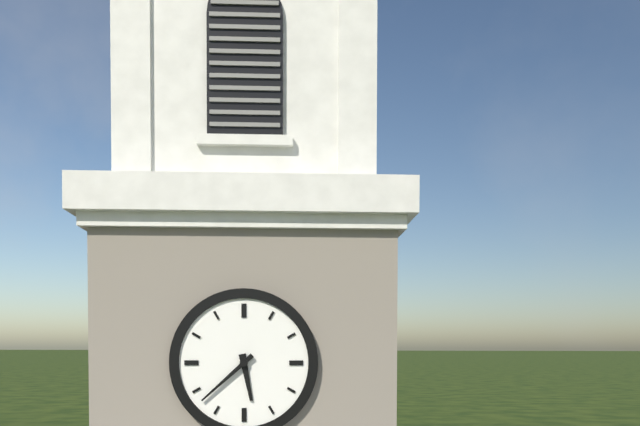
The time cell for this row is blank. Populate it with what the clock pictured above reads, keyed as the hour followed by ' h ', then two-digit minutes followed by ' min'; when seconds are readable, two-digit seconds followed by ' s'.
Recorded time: 5 h 38 min
